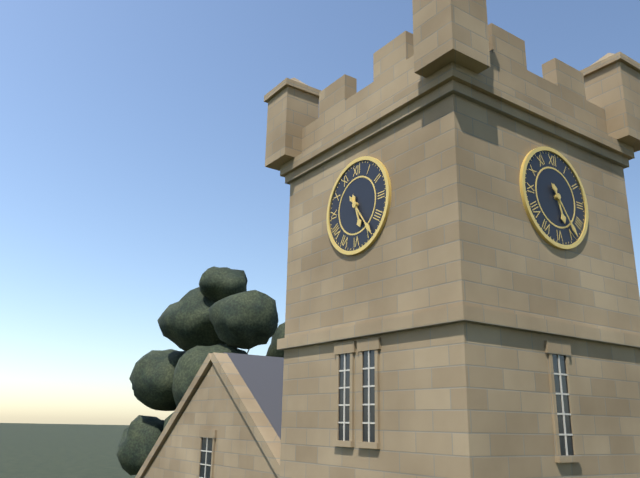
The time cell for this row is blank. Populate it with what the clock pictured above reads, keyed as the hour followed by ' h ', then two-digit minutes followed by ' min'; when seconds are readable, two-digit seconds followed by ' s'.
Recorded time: 5 h 24 min
